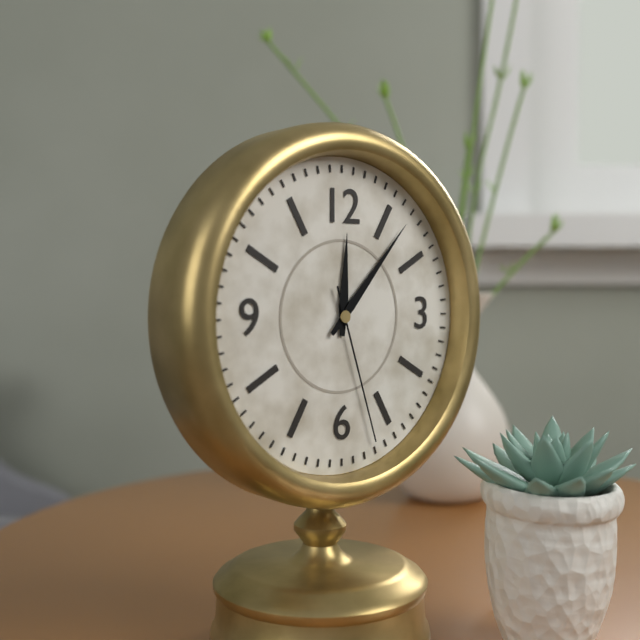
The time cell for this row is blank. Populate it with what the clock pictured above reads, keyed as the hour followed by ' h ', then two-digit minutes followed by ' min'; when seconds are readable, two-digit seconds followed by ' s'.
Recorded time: 12 h 07 min 27 s
